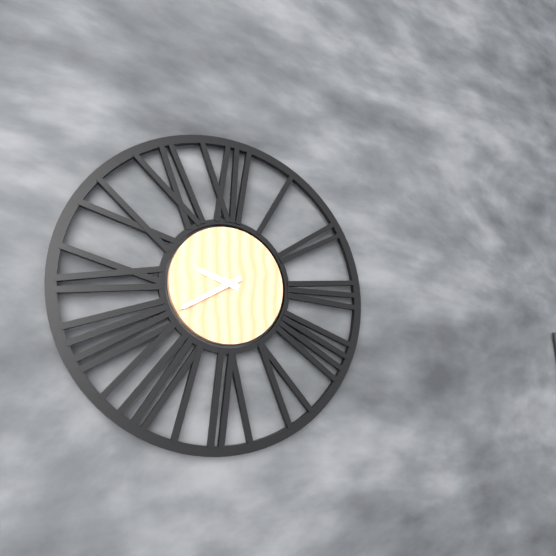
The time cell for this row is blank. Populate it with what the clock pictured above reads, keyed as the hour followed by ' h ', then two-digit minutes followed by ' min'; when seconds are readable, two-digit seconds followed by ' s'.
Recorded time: 9 h 40 min
